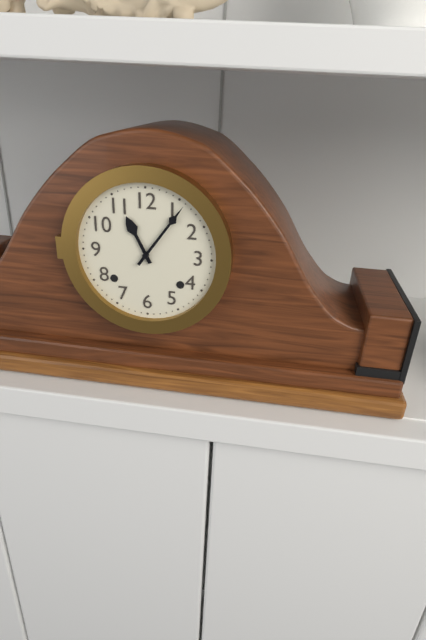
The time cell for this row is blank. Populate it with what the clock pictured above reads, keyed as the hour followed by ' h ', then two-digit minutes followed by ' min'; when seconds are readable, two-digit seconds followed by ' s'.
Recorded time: 11 h 06 min
